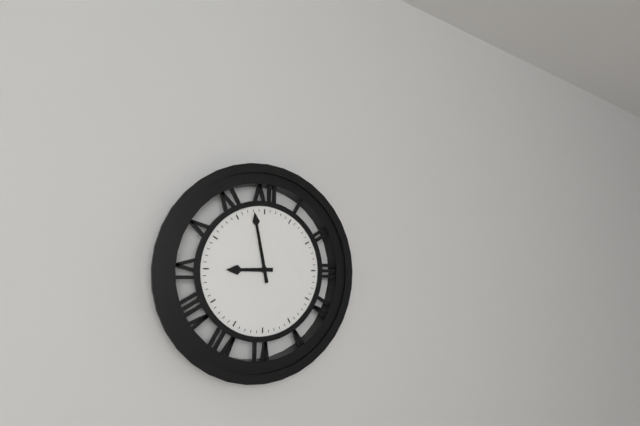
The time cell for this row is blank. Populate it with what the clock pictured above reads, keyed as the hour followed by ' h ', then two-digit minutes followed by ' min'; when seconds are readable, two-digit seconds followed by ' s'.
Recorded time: 8 h 58 min
